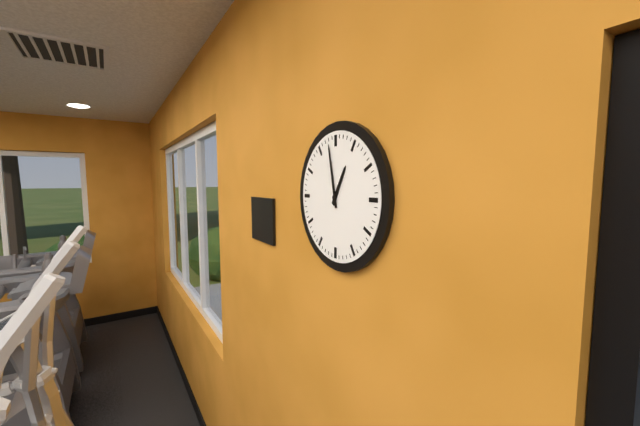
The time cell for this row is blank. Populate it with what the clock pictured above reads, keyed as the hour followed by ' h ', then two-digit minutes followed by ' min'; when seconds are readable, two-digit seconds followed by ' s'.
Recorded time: 12 h 58 min
